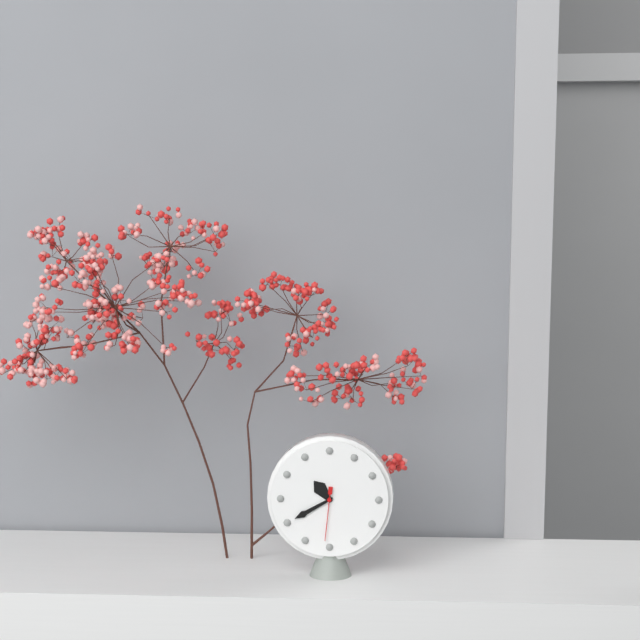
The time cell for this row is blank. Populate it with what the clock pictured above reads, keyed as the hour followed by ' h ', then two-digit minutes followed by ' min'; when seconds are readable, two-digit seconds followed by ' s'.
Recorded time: 10 h 40 min 31 s
